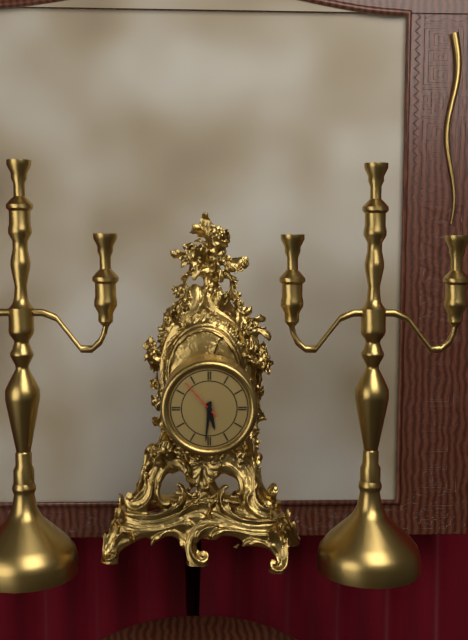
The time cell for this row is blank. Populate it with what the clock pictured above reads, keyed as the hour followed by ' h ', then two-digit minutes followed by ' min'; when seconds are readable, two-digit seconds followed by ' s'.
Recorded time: 5 h 31 min
